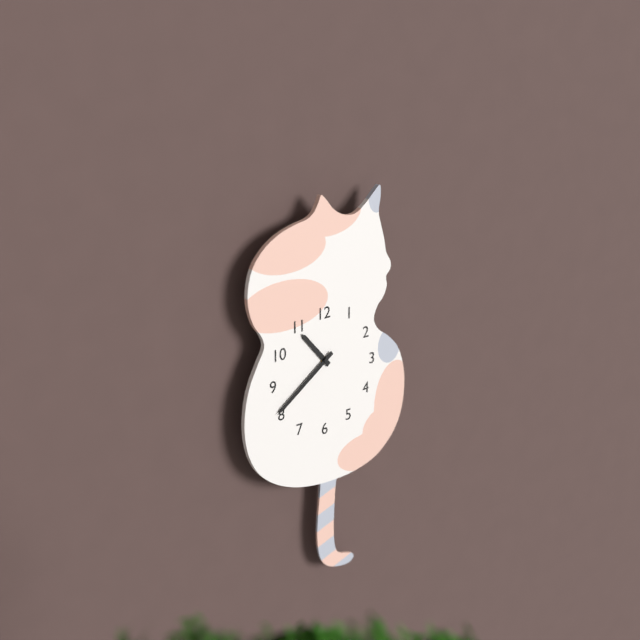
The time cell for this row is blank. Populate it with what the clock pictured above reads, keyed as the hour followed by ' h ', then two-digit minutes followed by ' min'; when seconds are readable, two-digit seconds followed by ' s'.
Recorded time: 10 h 39 min
